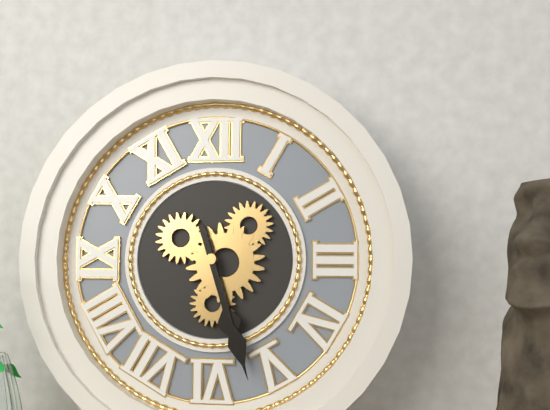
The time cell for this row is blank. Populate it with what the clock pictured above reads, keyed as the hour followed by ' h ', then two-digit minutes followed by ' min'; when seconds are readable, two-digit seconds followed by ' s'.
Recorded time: 5 h 27 min
